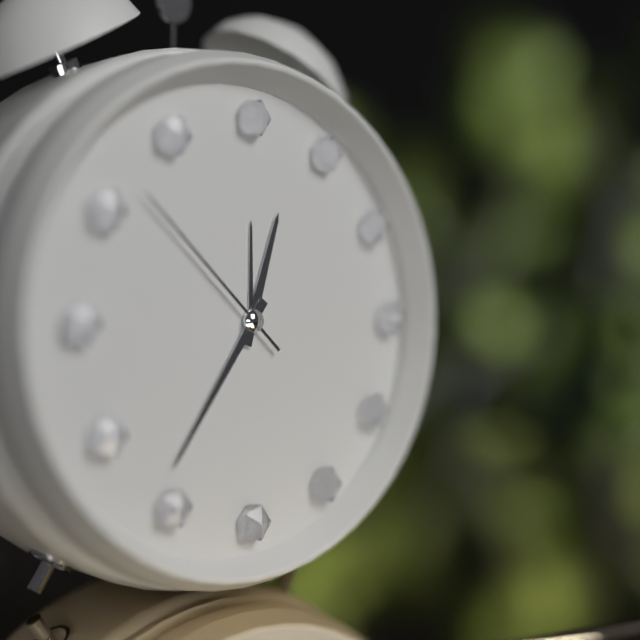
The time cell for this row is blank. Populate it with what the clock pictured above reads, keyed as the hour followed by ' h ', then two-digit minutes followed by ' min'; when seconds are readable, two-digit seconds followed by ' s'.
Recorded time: 12 h 36 min 52 s
